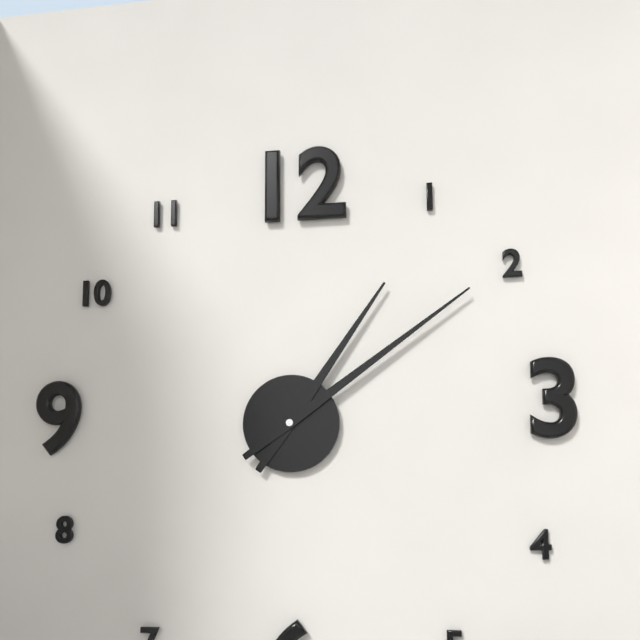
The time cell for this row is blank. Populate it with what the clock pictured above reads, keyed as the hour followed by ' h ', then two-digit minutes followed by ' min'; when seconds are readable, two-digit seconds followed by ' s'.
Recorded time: 1 h 09 min
